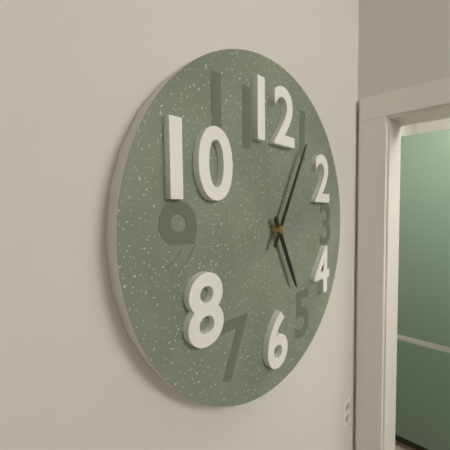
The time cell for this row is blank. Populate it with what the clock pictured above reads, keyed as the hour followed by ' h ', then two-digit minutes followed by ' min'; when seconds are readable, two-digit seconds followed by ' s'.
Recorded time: 5 h 05 min
